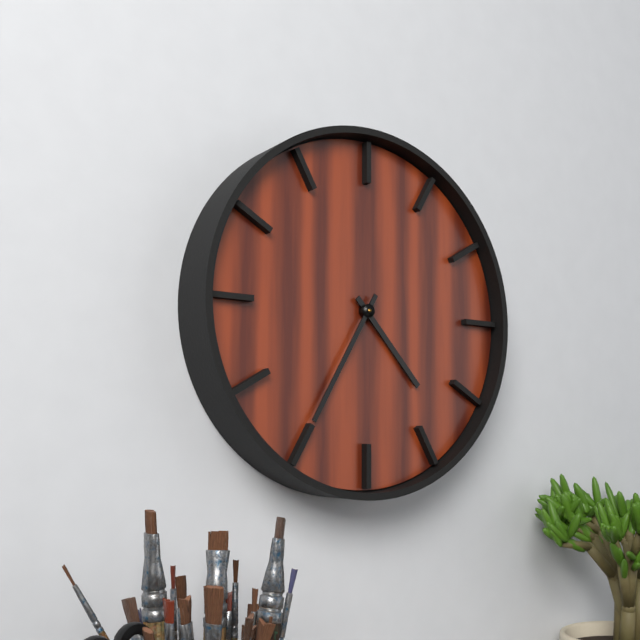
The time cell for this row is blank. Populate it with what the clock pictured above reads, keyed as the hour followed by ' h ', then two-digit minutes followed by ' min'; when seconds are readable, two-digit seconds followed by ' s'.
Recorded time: 4 h 35 min
